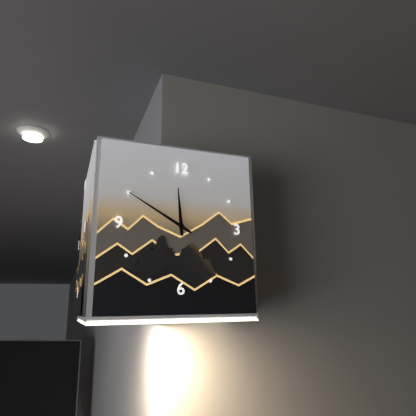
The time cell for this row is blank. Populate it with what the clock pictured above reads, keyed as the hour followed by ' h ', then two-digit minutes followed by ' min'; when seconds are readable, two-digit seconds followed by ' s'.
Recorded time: 11 h 50 min
